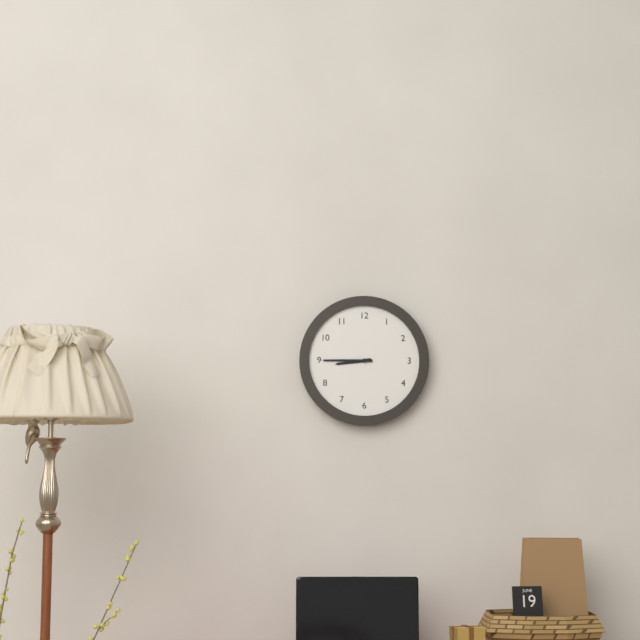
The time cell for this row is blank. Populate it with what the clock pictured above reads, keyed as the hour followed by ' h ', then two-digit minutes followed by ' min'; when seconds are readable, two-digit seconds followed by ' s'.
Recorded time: 8 h 45 min
